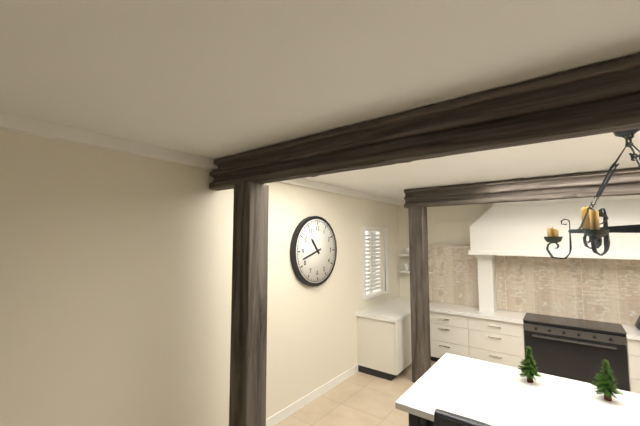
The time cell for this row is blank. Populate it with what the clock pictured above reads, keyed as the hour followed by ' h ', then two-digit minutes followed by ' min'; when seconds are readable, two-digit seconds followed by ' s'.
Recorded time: 10 h 42 min
